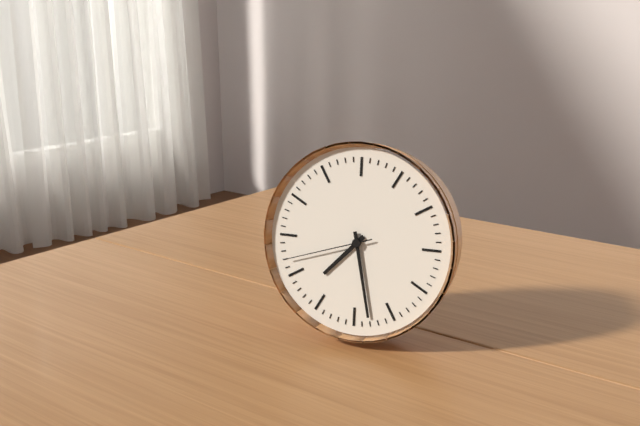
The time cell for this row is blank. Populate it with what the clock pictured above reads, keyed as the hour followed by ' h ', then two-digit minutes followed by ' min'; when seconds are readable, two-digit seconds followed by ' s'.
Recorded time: 7 h 28 min 42 s
